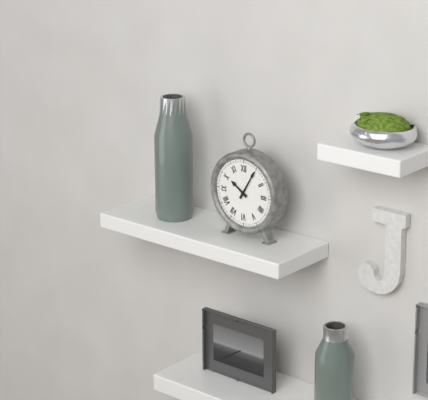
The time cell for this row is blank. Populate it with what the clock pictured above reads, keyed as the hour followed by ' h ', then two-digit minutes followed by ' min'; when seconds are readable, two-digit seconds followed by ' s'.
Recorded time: 10 h 05 min
